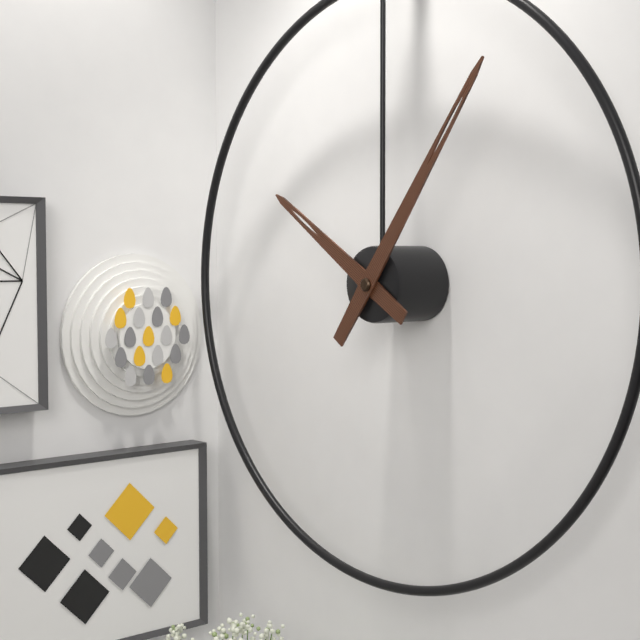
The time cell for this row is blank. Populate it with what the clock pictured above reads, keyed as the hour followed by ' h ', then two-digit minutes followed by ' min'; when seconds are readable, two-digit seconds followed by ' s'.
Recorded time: 10 h 06 min
